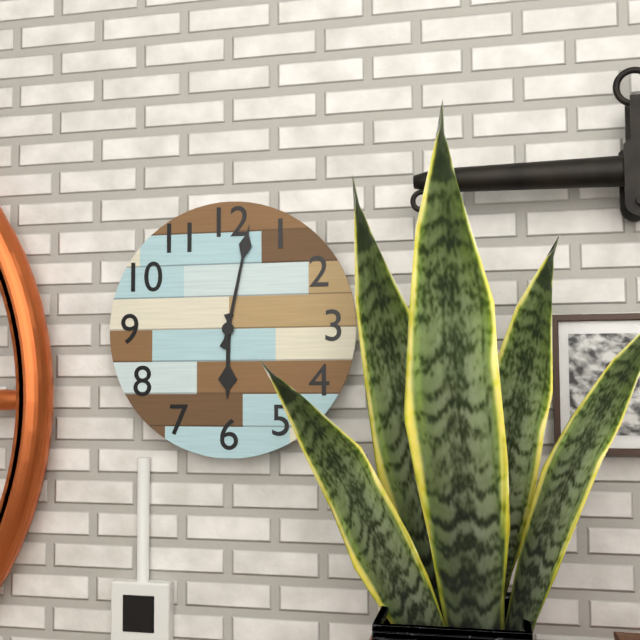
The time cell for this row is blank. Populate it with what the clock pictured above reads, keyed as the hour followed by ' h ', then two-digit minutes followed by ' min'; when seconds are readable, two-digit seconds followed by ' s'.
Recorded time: 6 h 02 min
